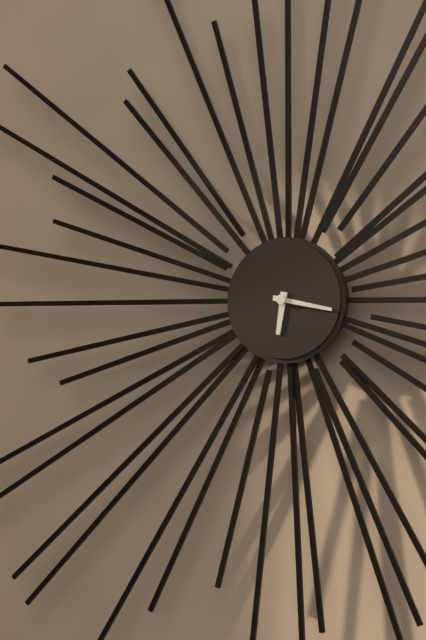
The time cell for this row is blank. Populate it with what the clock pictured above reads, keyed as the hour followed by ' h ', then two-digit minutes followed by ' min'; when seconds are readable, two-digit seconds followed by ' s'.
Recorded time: 6 h 17 min
